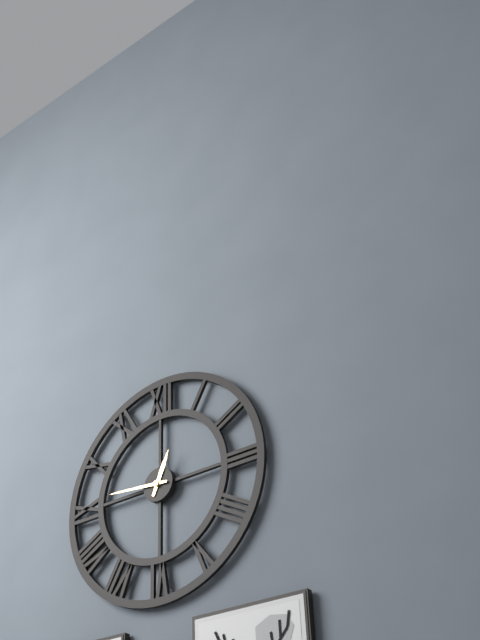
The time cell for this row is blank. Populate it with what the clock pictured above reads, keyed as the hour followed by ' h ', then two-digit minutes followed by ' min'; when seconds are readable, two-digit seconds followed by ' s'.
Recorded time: 12 h 46 min
